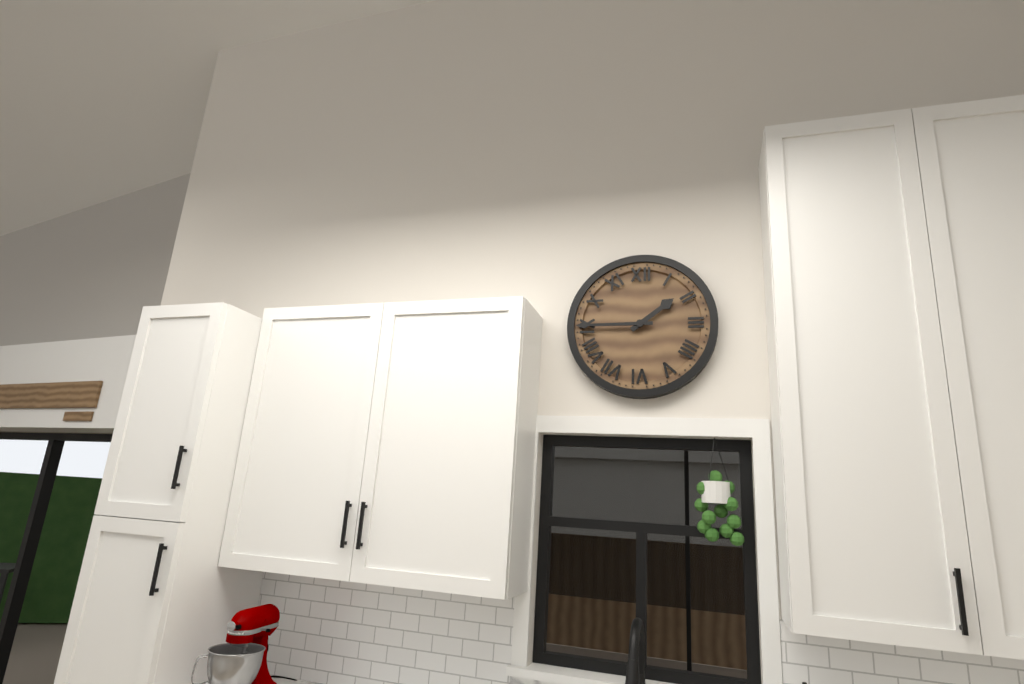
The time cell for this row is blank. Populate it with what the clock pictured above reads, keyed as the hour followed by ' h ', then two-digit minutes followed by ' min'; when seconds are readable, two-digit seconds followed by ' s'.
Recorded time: 1 h 45 min
